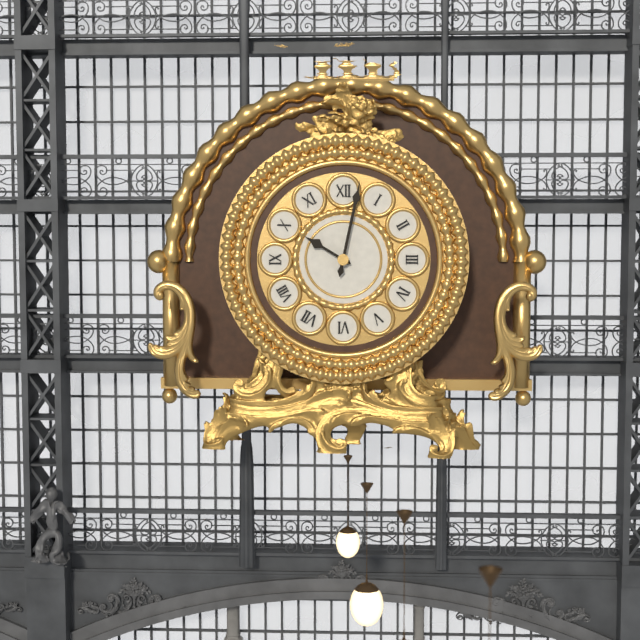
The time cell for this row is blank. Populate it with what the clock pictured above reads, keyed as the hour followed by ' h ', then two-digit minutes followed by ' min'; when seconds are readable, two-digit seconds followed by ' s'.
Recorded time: 10 h 02 min
